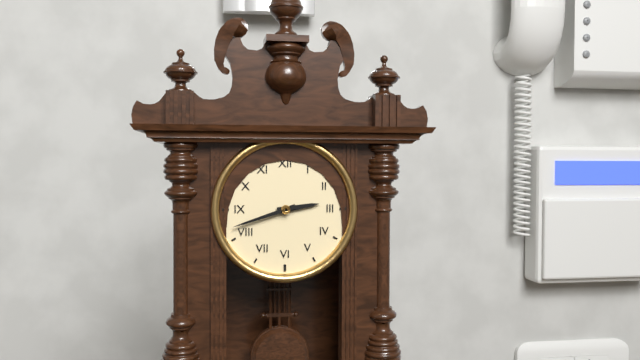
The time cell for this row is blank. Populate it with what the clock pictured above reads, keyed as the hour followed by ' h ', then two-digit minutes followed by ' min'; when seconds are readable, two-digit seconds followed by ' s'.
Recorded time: 2 h 42 min
